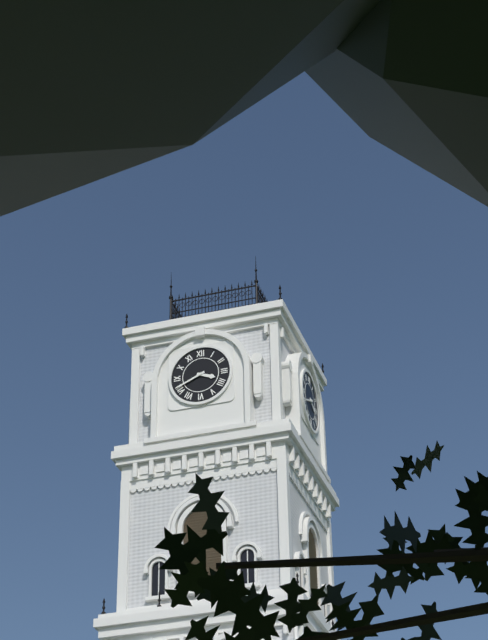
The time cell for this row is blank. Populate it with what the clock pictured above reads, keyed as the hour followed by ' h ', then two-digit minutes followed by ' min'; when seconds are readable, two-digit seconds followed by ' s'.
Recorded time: 3 h 41 min
